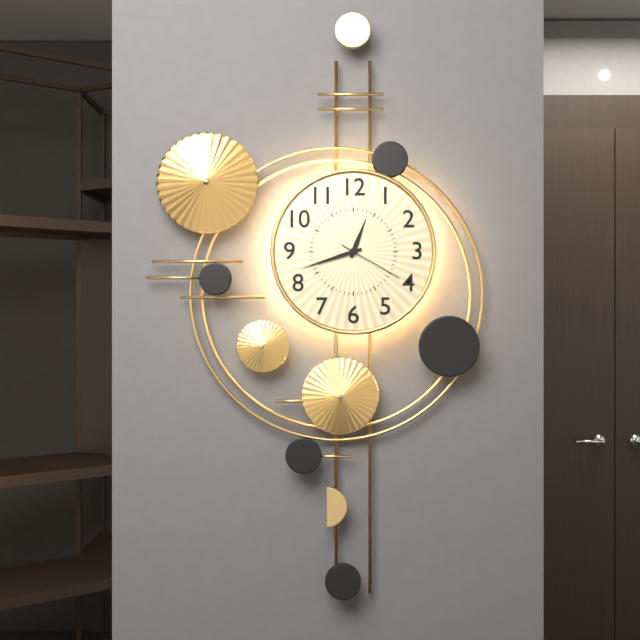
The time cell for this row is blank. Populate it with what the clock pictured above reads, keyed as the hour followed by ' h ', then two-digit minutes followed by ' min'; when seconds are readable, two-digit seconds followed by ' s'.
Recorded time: 12 h 42 min 20 s
